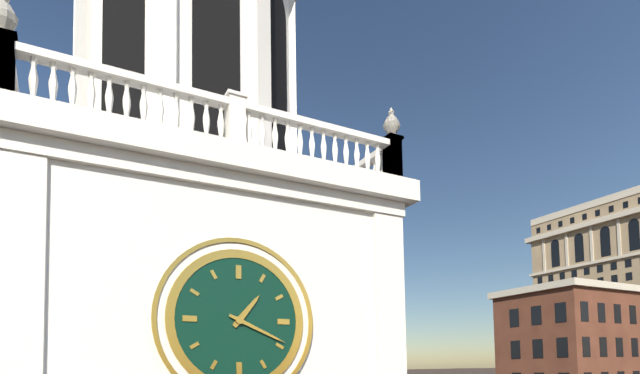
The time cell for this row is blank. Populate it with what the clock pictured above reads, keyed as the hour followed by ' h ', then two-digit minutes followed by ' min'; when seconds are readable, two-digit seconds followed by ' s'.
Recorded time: 1 h 19 min
